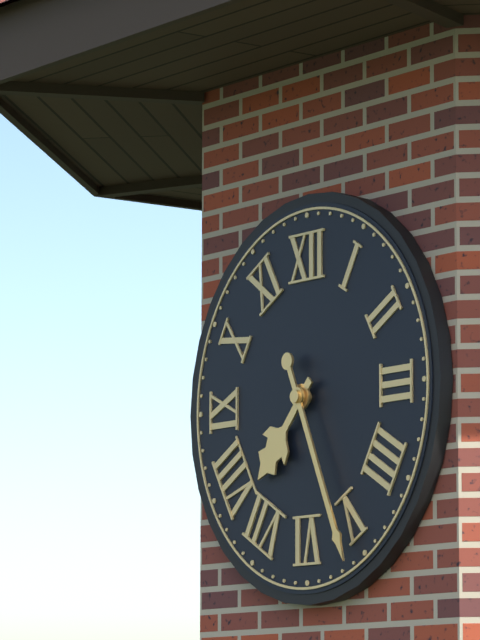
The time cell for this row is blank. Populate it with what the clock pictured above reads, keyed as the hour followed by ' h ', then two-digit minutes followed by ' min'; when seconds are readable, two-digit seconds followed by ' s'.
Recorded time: 7 h 26 min
